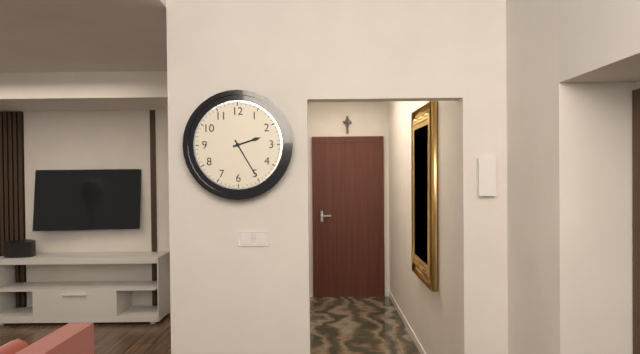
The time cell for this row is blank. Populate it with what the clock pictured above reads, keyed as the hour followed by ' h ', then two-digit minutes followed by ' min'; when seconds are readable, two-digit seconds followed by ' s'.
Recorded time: 2 h 25 min
